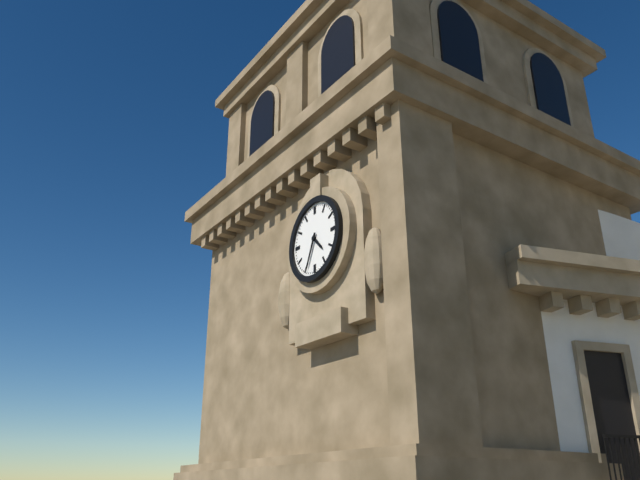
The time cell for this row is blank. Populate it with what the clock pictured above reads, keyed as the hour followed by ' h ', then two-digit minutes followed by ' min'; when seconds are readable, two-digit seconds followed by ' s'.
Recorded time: 4 h 34 min
